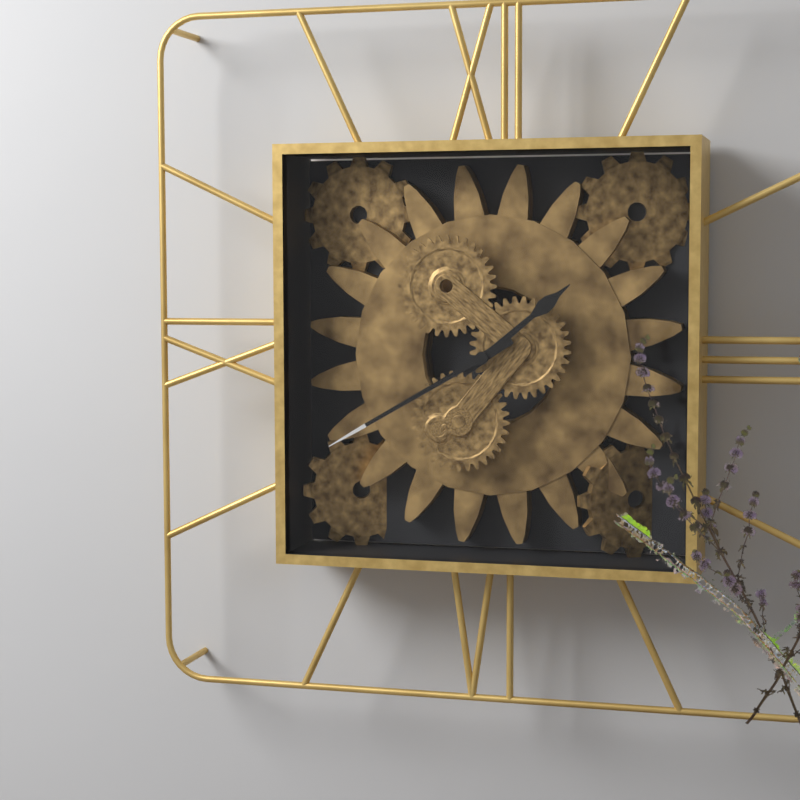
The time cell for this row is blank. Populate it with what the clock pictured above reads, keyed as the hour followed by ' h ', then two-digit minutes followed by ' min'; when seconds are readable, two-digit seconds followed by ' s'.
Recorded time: 1 h 40 min
